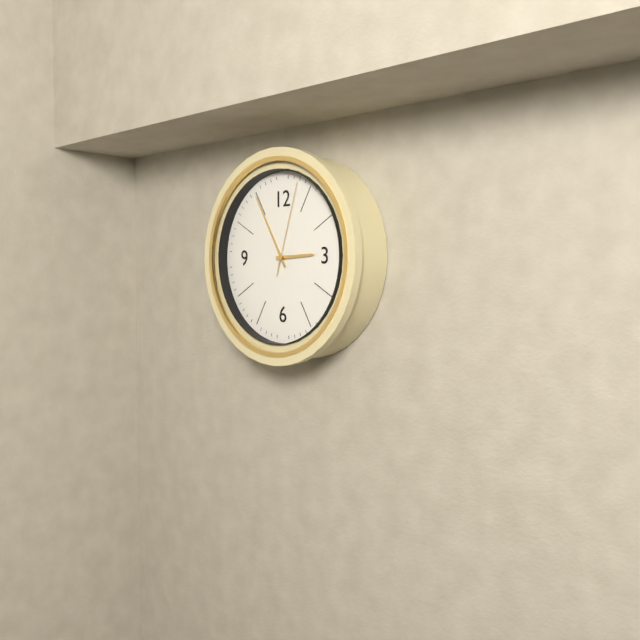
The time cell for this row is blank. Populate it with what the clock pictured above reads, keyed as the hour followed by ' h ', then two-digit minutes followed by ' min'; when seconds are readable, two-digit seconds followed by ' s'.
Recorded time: 2 h 55 min 03 s
